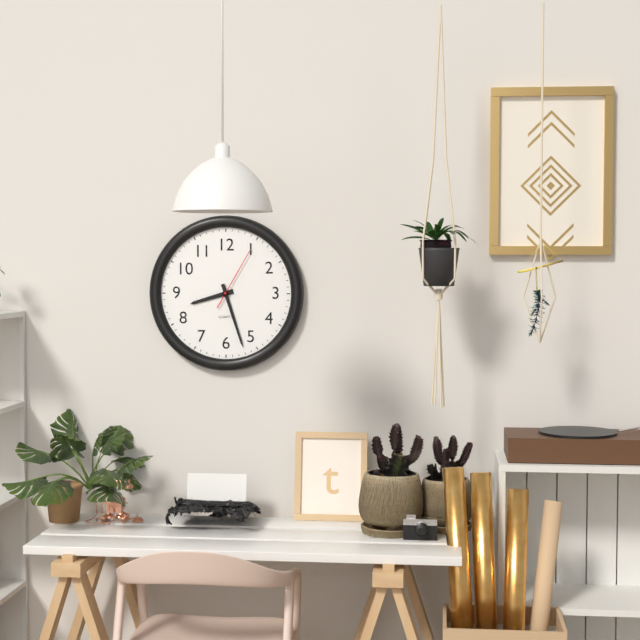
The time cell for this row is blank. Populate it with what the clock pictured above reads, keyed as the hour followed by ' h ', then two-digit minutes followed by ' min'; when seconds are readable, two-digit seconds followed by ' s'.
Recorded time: 8 h 27 min 05 s
